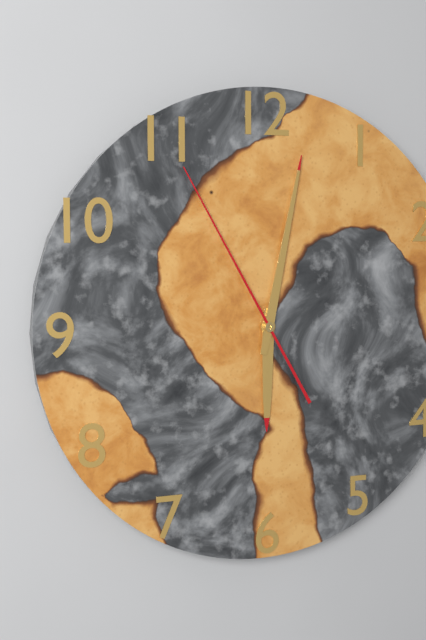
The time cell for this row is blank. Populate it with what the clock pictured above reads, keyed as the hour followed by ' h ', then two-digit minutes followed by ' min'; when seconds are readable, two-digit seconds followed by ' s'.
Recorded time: 6 h 02 min 55 s
